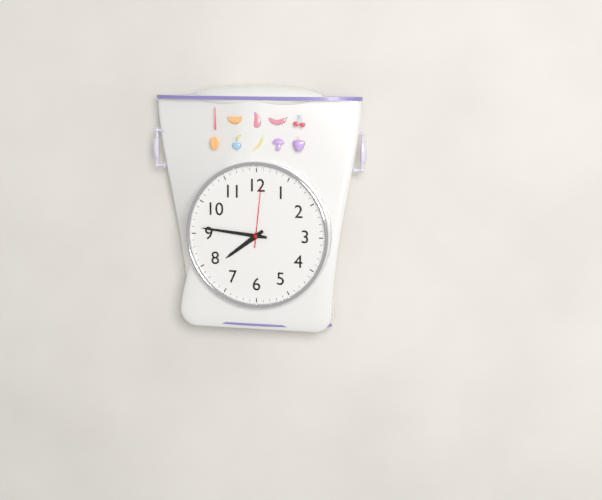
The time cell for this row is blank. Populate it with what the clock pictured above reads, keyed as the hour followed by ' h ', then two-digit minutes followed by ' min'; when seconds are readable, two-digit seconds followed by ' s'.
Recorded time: 7 h 46 min 01 s
